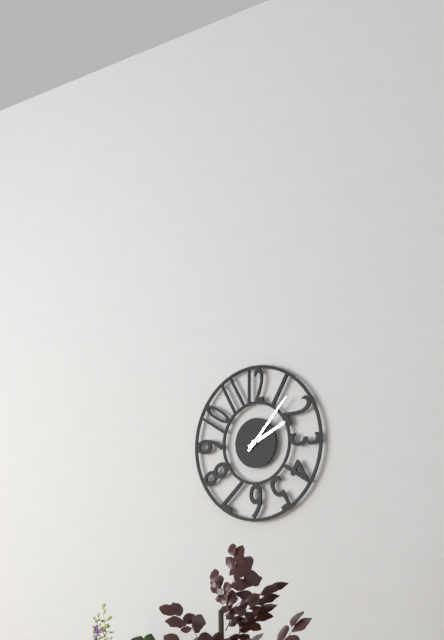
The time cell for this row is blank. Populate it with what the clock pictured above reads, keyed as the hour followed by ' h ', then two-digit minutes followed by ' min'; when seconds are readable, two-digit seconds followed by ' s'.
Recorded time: 2 h 07 min
